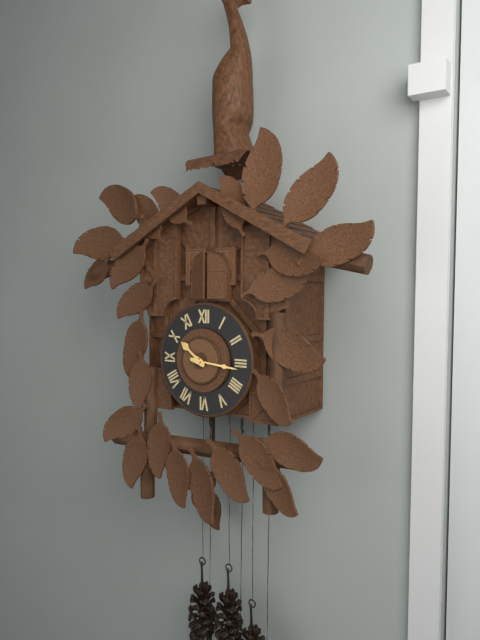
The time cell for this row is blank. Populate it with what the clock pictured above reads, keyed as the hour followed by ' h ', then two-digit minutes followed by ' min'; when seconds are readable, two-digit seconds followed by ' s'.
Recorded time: 10 h 16 min
